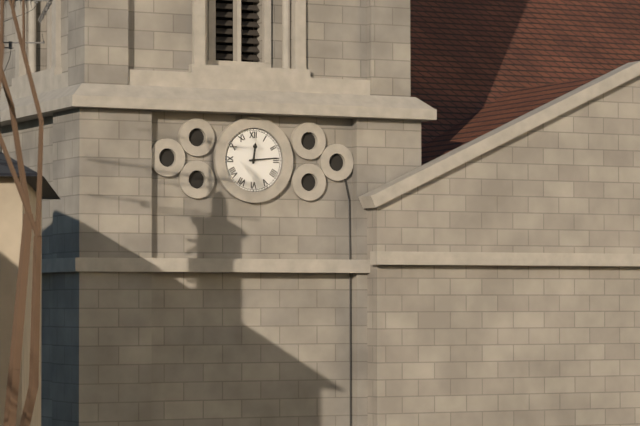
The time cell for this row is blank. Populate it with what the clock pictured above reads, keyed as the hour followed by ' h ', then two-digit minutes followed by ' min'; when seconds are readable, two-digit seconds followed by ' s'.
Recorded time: 12 h 14 min
